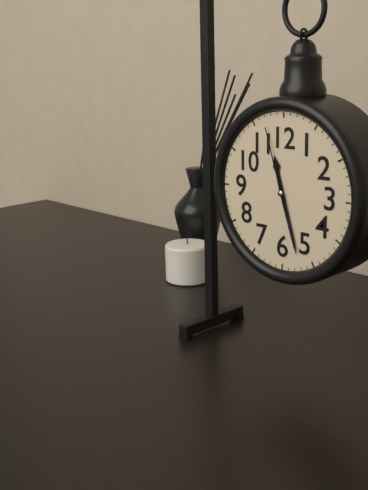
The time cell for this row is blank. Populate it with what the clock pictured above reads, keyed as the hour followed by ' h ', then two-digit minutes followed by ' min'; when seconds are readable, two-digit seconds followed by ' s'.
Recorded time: 11 h 27 min 57 s
